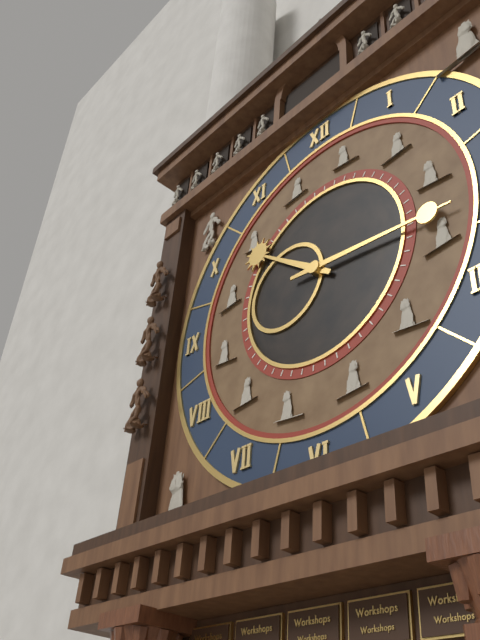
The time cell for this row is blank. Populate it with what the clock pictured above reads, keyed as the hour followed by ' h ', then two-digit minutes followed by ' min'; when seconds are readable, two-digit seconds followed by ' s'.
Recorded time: 10 h 16 min
